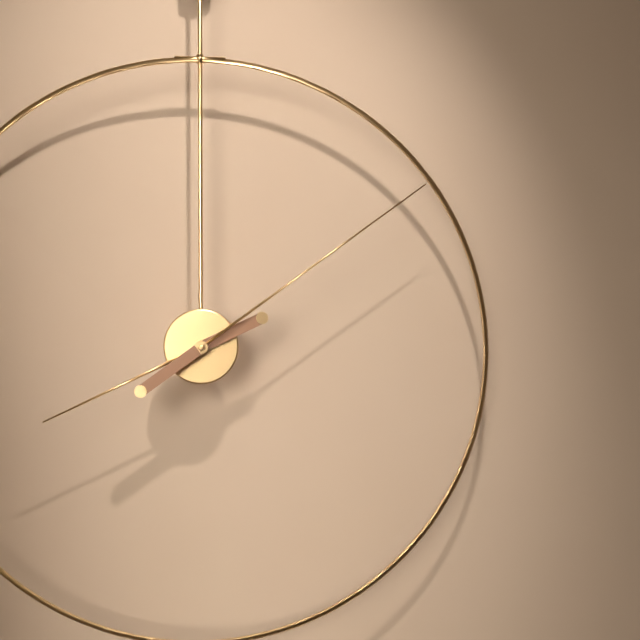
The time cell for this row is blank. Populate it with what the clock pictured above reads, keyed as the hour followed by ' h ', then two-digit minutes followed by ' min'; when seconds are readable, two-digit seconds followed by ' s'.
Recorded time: 8 h 09 min
